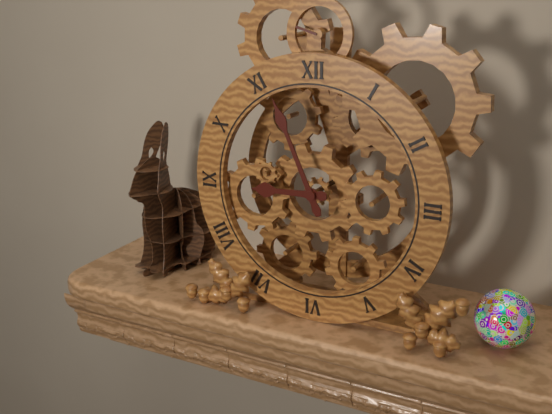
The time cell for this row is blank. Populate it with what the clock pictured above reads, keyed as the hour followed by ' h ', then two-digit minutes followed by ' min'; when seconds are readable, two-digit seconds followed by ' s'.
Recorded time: 8 h 56 min
